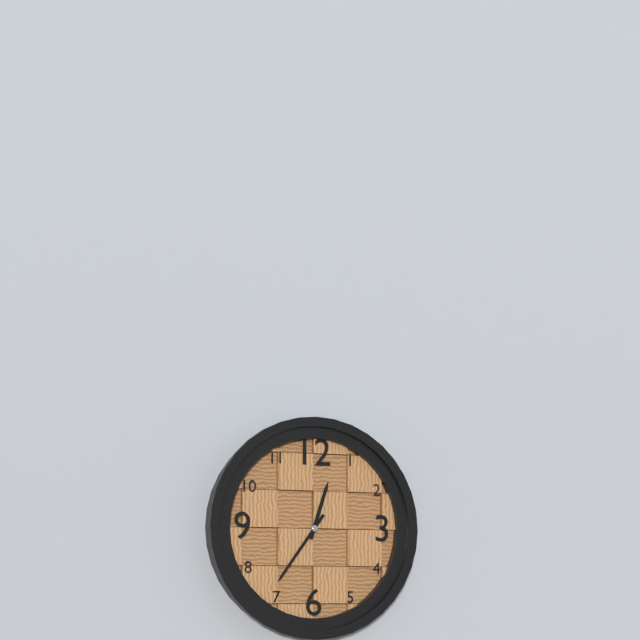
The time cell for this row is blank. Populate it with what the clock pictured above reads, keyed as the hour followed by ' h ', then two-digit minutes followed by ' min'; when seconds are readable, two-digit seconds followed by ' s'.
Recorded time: 12 h 36 min
